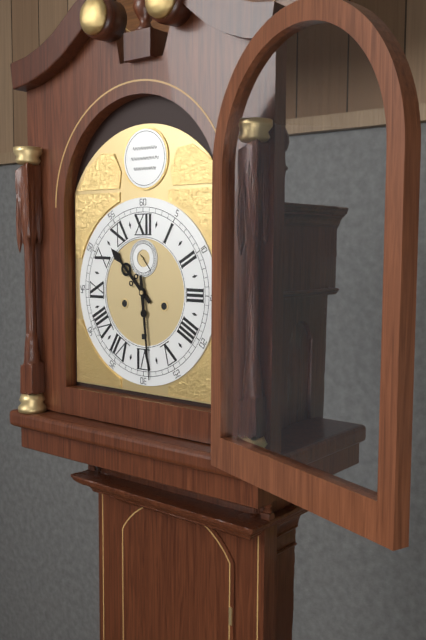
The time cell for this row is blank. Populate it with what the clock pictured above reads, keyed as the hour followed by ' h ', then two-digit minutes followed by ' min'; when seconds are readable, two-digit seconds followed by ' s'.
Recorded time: 10 h 29 min
